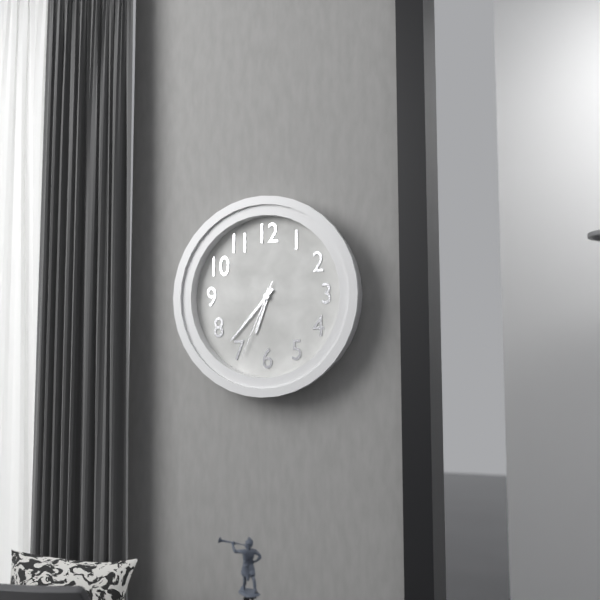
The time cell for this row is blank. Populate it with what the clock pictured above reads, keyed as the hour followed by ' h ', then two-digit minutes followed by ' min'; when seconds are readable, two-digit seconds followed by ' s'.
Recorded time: 6 h 37 min 34 s
